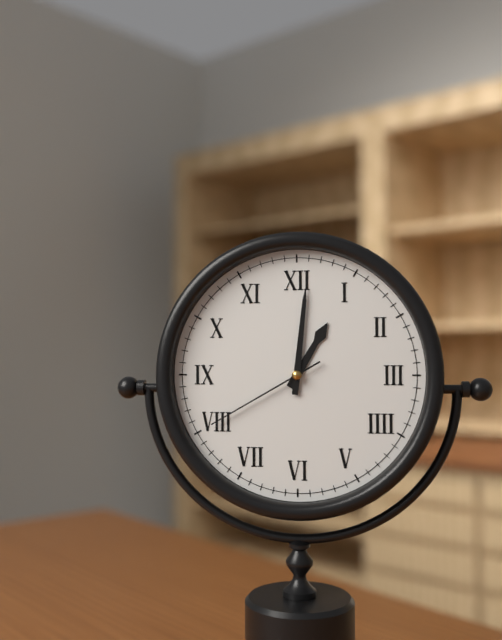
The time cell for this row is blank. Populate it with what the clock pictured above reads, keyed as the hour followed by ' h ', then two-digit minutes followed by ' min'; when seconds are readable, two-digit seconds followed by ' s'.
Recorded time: 1 h 01 min 40 s
